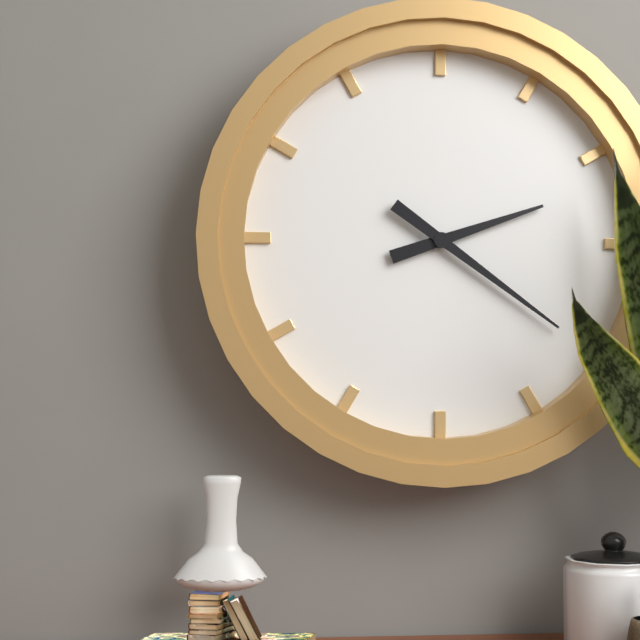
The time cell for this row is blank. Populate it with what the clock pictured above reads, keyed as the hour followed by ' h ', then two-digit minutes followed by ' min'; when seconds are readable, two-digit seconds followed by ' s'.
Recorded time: 2 h 21 min
